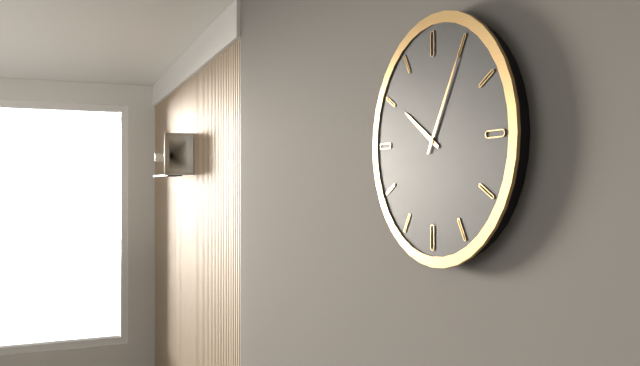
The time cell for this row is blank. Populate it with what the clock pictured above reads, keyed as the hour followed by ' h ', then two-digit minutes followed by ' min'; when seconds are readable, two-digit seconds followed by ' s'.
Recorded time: 10 h 05 min
